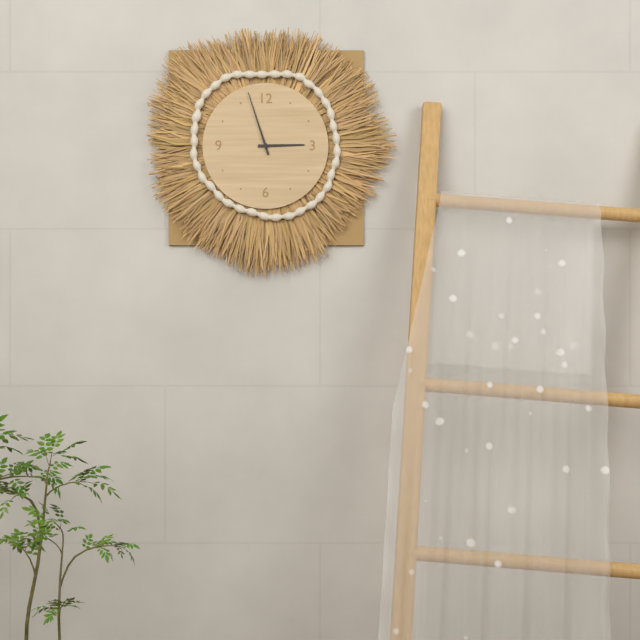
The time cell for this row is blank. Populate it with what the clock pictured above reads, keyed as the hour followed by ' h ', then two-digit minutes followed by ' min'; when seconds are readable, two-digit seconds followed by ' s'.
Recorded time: 2 h 57 min
